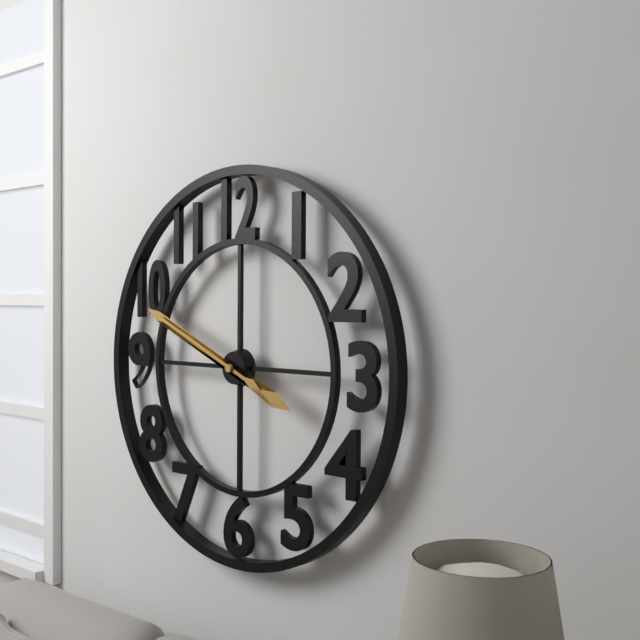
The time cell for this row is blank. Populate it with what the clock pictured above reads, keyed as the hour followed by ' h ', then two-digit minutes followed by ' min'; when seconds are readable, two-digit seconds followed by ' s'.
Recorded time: 3 h 49 min
